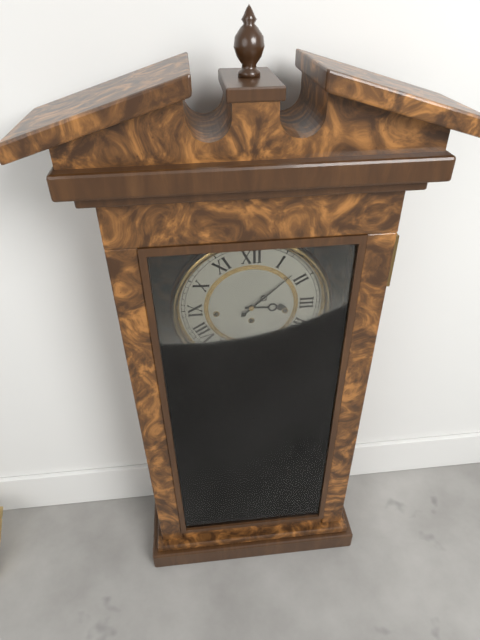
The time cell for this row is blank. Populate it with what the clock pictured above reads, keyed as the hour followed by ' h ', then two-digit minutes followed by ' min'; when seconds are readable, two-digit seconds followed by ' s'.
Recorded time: 3 h 08 min
